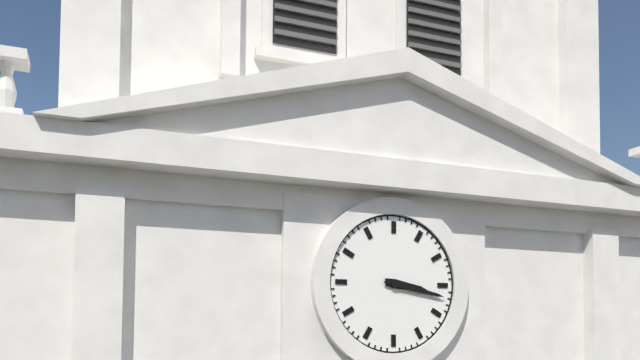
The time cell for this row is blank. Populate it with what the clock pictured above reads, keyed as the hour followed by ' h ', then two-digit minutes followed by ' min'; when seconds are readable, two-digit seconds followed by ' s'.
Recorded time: 3 h 17 min
